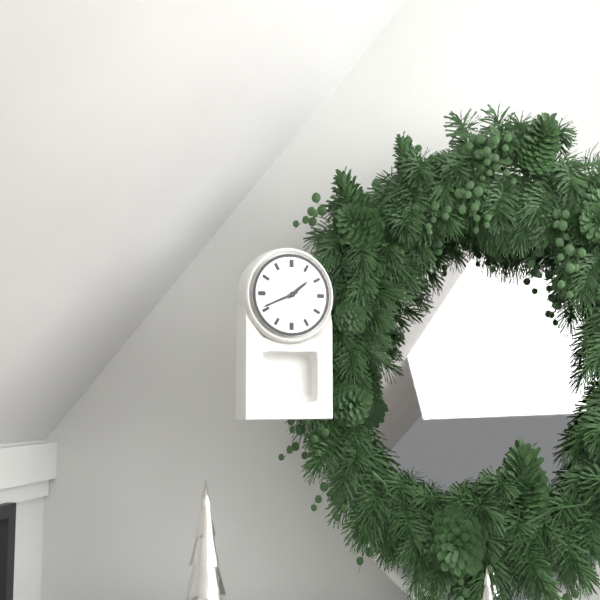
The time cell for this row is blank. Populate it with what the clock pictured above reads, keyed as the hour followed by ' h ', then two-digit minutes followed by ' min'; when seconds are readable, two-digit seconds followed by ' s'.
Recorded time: 1 h 41 min
